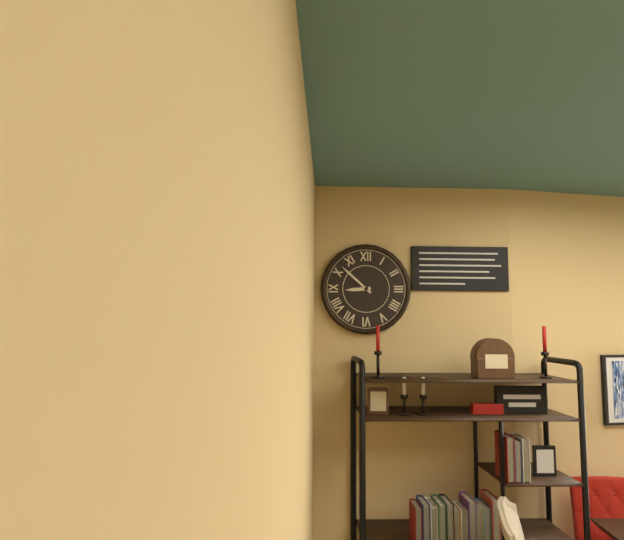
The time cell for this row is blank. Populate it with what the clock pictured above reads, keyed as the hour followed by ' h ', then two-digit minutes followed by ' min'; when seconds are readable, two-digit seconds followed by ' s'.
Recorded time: 8 h 52 min
